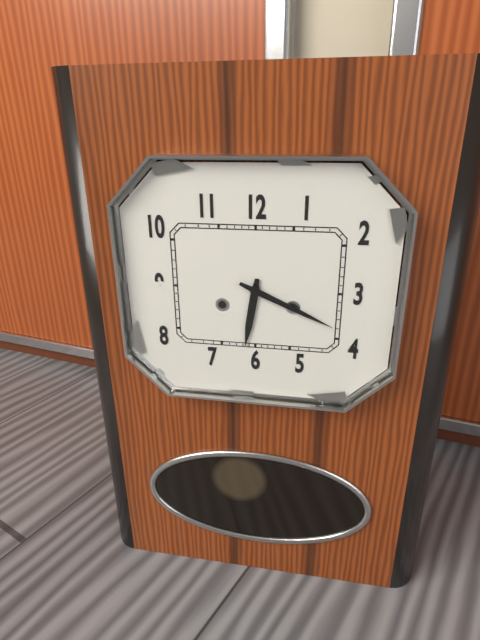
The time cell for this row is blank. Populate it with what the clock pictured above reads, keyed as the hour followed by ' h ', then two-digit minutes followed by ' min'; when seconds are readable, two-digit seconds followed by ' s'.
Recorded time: 6 h 19 min
